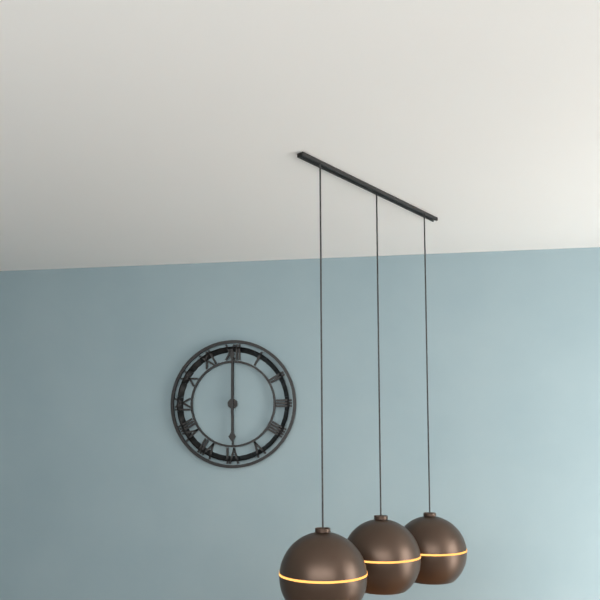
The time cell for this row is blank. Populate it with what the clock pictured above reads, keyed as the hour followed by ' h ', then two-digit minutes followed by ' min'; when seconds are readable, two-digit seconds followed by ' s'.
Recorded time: 6 h 00 min
